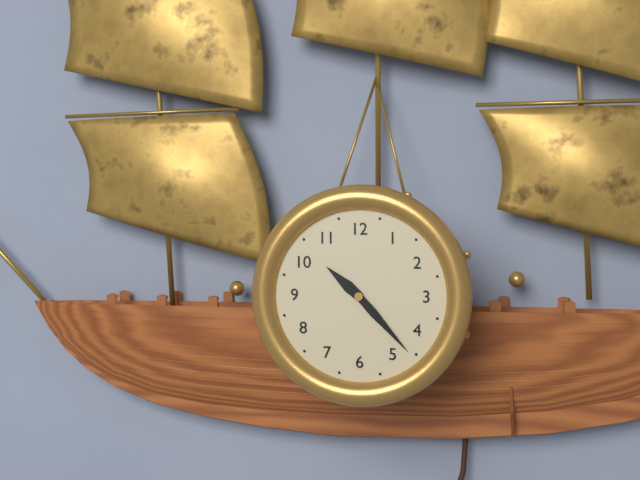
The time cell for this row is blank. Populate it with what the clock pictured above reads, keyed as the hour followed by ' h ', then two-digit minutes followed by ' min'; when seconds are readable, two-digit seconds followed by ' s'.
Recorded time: 10 h 23 min
